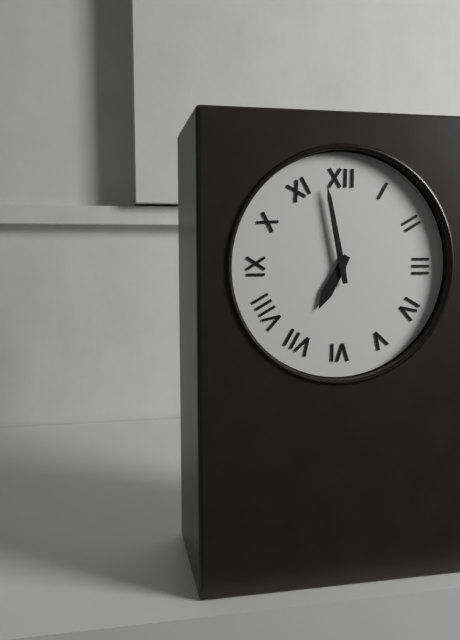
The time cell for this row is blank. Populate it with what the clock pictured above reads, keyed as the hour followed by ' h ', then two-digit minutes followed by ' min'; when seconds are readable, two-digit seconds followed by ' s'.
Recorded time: 6 h 58 min
